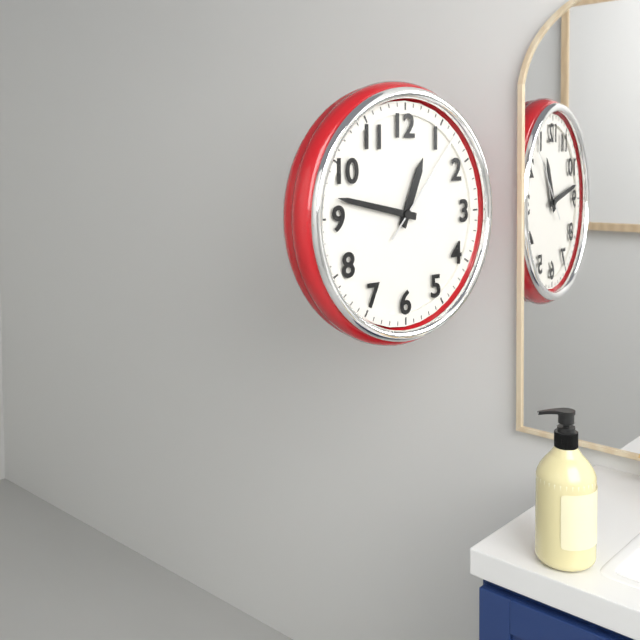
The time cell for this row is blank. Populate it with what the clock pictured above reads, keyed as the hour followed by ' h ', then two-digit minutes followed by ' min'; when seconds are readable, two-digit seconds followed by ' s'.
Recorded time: 12 h 47 min 07 s
